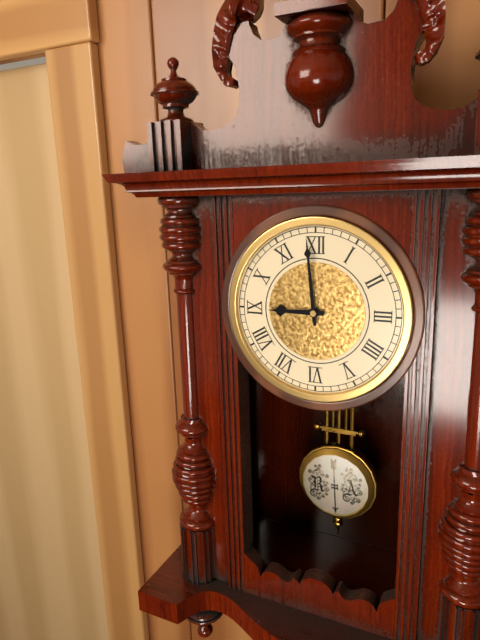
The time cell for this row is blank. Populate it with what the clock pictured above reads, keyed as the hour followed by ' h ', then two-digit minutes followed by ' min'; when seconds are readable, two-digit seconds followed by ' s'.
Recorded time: 8 h 59 min
